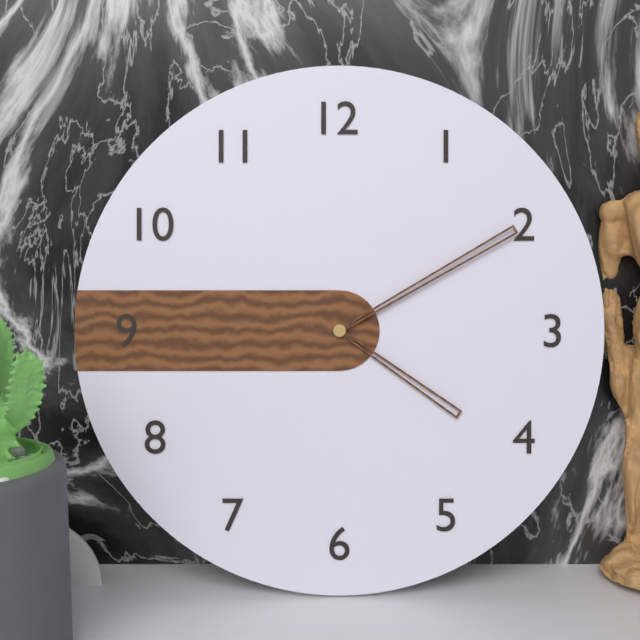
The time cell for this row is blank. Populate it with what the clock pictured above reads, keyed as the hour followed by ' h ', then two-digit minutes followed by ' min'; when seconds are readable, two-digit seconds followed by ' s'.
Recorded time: 4 h 10 min
